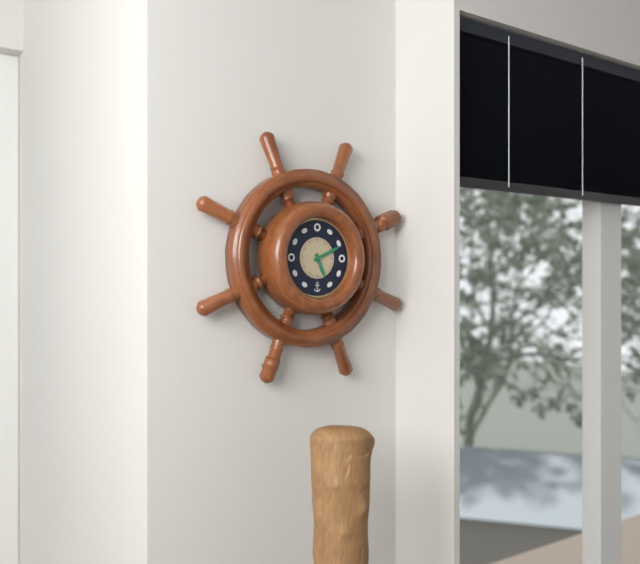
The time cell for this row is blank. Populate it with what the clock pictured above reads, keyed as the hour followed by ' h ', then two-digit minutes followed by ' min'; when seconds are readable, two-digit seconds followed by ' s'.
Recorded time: 5 h 11 min
